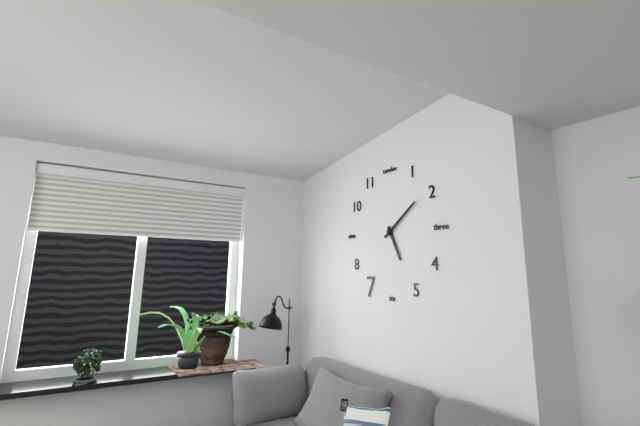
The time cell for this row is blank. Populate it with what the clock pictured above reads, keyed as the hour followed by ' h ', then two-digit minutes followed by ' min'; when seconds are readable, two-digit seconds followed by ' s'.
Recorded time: 5 h 09 min
